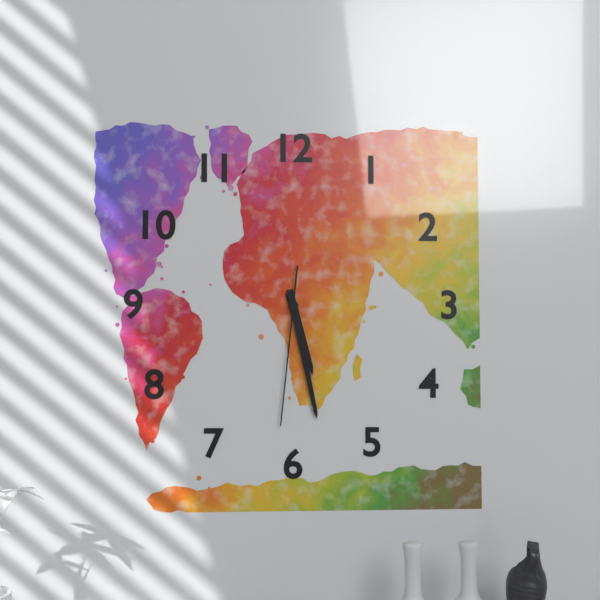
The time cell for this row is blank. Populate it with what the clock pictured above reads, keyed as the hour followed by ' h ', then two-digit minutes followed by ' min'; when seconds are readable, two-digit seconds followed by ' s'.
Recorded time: 5 h 28 min 31 s
